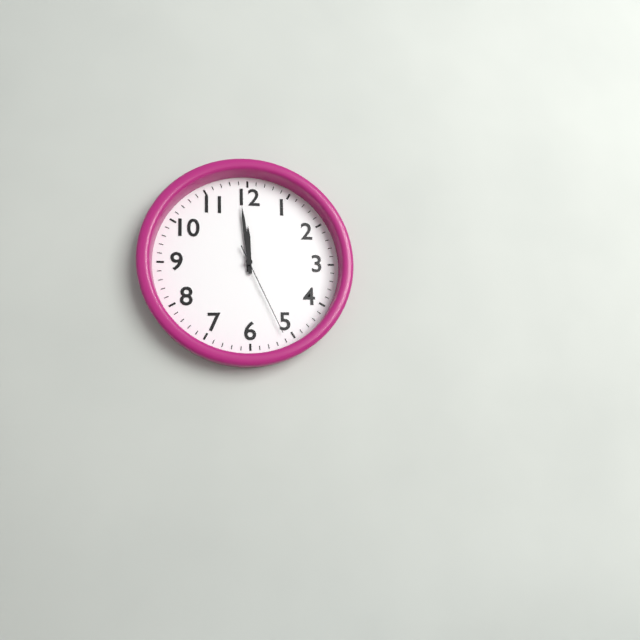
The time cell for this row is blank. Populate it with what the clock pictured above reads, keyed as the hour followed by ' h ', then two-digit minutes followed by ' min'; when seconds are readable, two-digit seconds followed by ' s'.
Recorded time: 11 h 59 min 26 s
